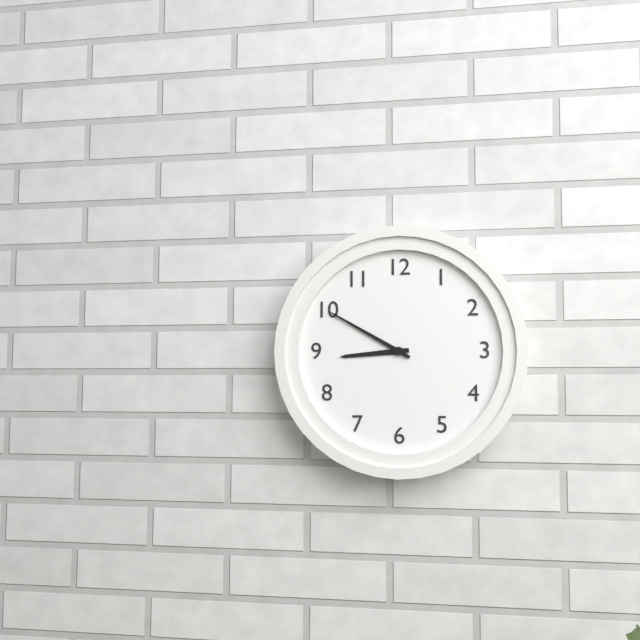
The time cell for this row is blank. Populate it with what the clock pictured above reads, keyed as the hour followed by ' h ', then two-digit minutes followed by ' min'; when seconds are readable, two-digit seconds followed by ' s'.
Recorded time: 8 h 50 min
